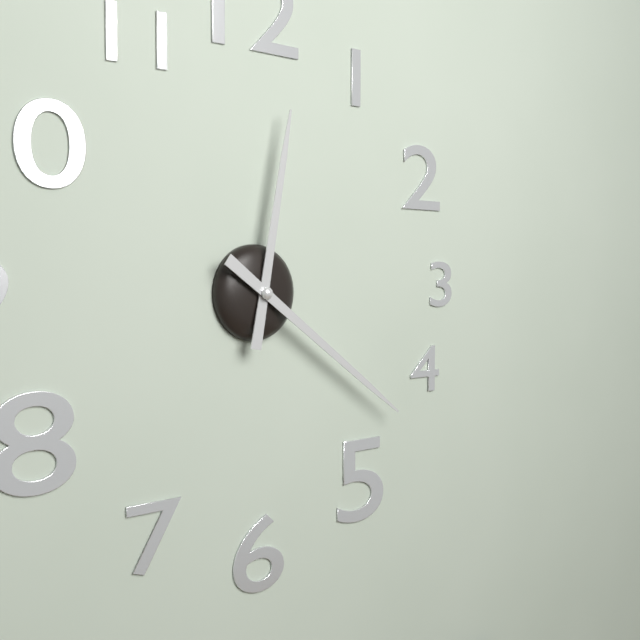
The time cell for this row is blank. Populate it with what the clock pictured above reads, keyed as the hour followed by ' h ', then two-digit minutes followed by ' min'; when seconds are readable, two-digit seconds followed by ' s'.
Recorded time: 12 h 21 min
